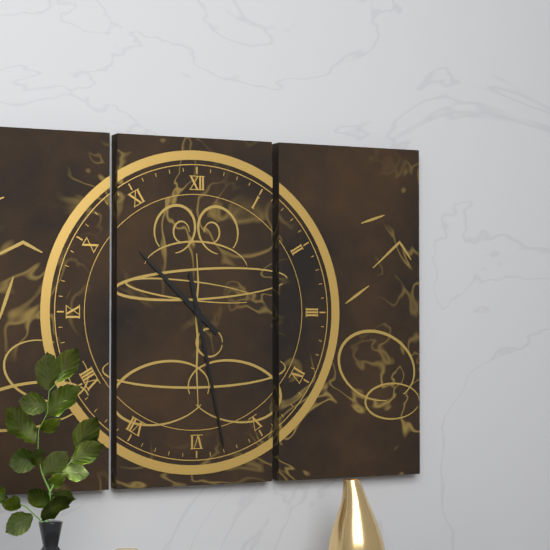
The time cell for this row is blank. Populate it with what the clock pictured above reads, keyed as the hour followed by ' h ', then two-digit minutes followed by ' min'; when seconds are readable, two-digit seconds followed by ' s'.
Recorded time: 10 h 28 min
